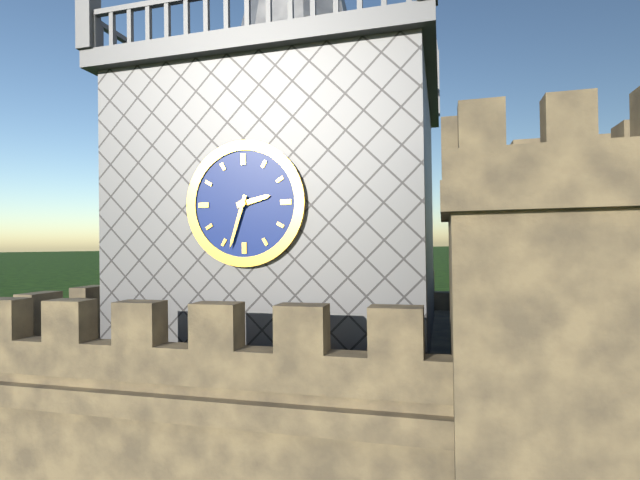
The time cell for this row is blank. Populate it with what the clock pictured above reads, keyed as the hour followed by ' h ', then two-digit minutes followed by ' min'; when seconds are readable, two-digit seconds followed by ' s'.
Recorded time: 2 h 33 min
